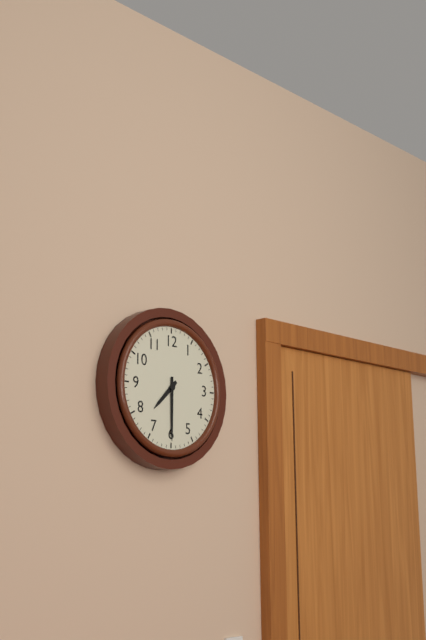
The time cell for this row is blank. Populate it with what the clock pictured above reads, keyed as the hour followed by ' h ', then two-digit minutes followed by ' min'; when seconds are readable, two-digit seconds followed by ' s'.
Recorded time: 7 h 30 min
